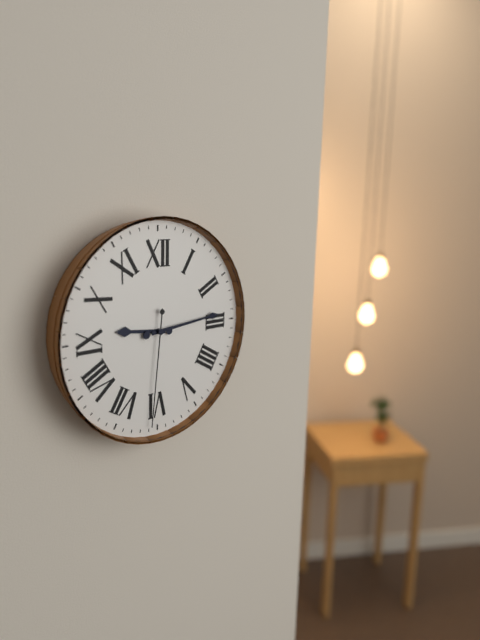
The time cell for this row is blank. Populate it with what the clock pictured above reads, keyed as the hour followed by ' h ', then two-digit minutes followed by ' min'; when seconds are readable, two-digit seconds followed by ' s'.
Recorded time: 9 h 14 min 31 s
